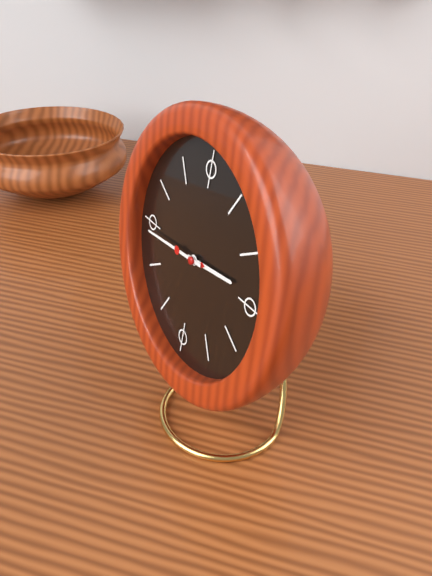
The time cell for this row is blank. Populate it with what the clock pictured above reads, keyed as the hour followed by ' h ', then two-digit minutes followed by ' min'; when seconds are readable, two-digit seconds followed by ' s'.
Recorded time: 2 h 44 min
